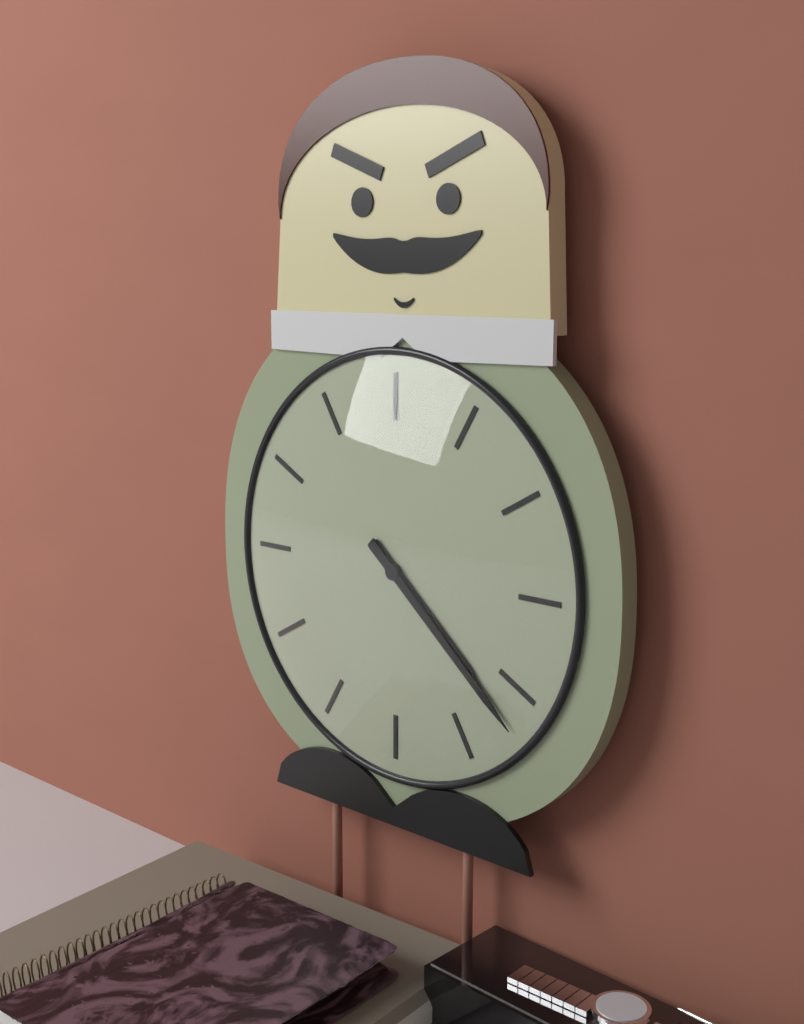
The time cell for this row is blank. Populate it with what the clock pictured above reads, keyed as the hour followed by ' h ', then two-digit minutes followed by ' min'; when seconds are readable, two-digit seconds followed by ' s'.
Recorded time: 4 h 22 min
